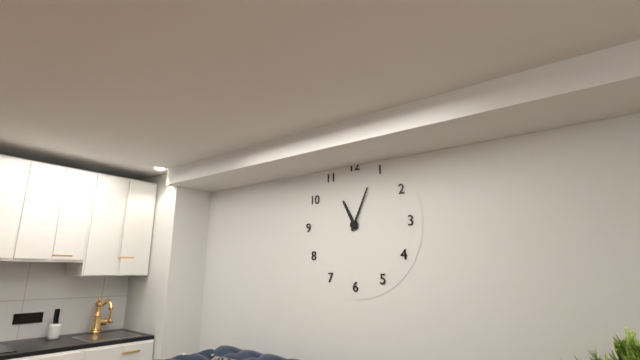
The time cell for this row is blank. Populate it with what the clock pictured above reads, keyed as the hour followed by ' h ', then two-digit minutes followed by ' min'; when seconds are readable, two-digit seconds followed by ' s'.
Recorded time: 11 h 04 min
